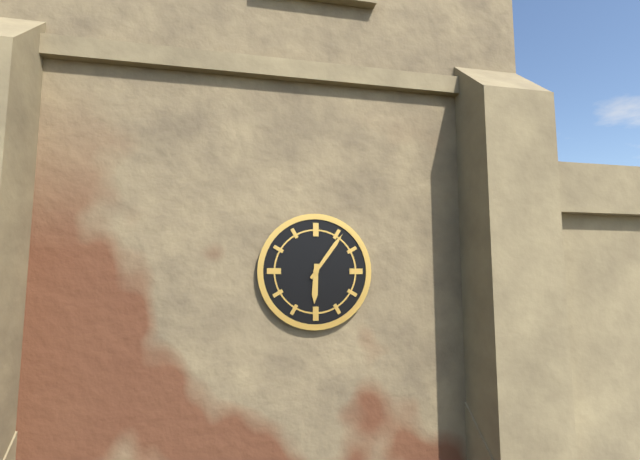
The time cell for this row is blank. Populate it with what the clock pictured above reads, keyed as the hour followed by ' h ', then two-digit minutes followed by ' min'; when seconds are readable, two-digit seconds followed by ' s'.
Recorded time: 6 h 06 min
